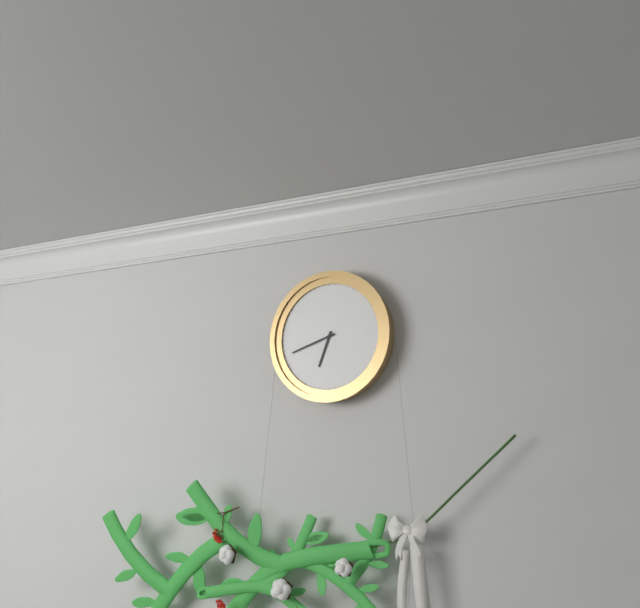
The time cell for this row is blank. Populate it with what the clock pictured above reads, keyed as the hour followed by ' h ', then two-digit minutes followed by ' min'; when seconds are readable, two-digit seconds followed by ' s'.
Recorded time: 6 h 42 min
